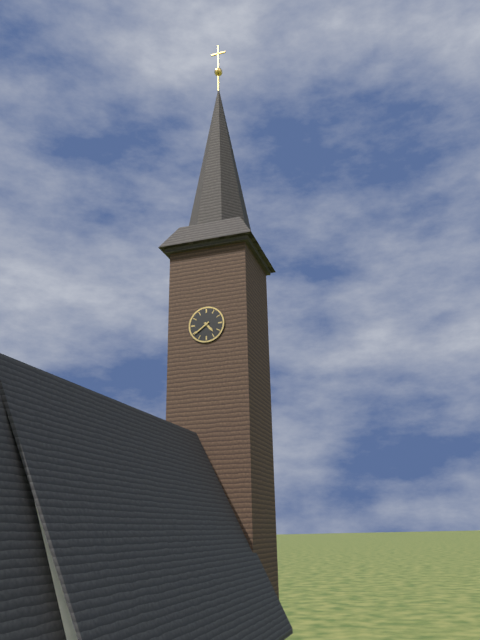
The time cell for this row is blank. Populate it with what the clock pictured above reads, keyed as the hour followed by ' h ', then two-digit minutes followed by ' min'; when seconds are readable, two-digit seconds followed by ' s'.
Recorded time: 4 h 39 min
